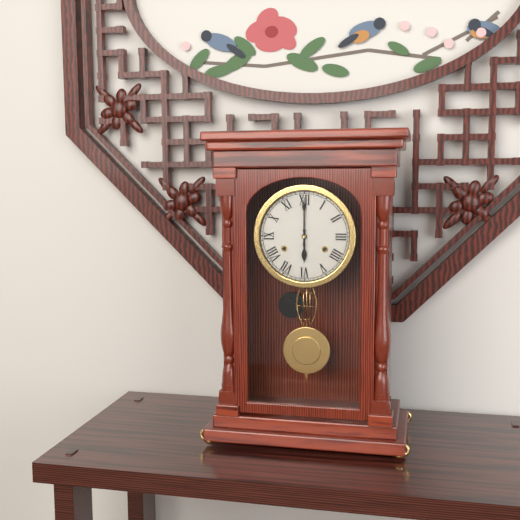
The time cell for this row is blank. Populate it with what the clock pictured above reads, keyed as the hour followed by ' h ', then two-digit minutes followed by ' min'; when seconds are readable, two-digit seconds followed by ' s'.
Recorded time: 6 h 00 min
